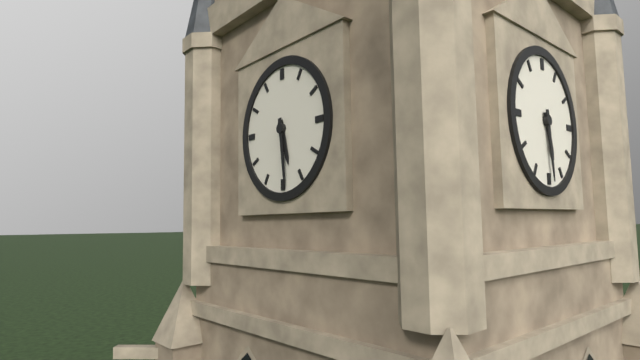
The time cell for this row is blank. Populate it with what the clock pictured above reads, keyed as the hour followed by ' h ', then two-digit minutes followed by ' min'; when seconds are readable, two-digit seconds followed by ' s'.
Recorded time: 5 h 29 min
